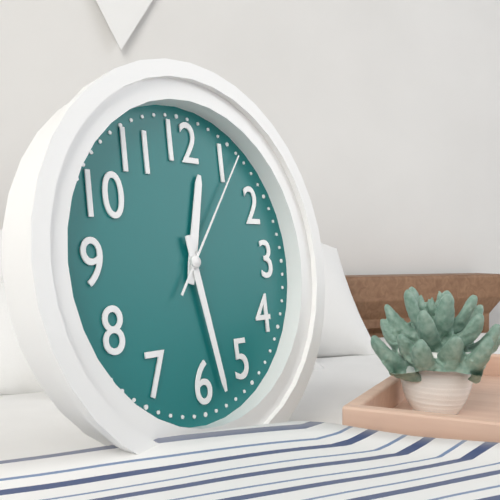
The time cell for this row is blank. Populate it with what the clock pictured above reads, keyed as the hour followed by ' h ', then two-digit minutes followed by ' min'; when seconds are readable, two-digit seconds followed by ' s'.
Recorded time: 12 h 28 min 06 s
